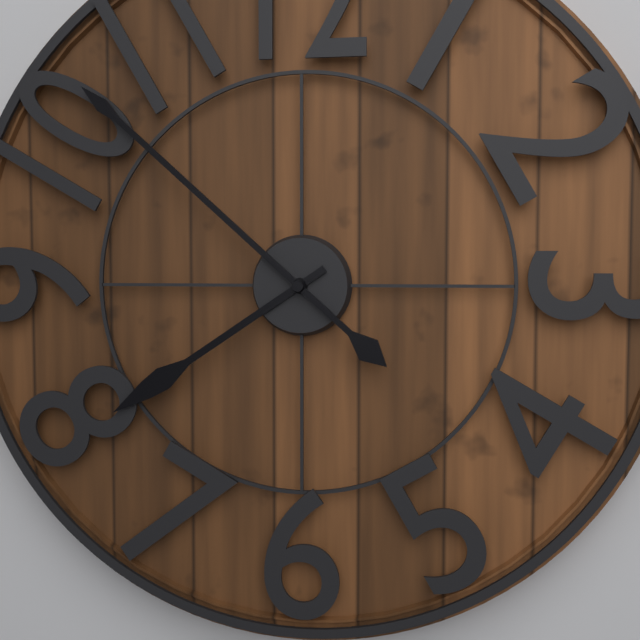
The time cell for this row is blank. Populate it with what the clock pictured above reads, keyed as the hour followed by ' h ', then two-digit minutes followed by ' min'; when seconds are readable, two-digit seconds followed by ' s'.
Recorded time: 7 h 52 min
